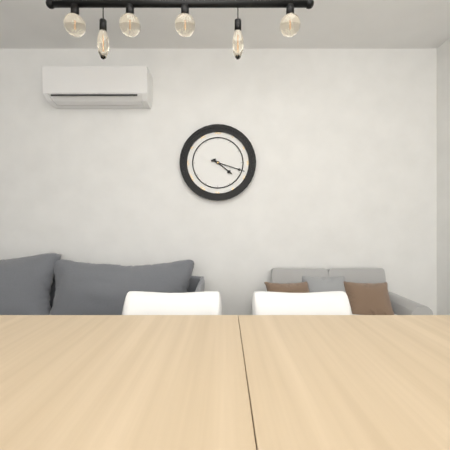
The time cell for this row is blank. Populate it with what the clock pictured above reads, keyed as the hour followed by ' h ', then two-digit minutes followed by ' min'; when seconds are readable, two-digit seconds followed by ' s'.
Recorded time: 4 h 18 min
